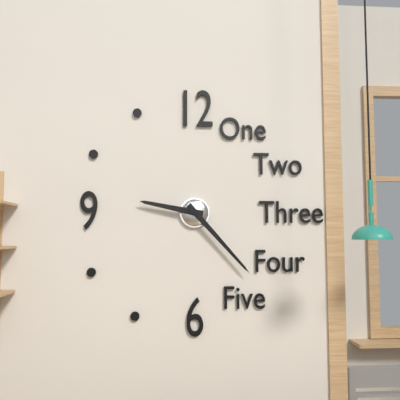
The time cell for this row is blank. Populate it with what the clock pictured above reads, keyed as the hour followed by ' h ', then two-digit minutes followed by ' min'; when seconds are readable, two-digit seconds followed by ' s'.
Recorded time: 9 h 23 min
